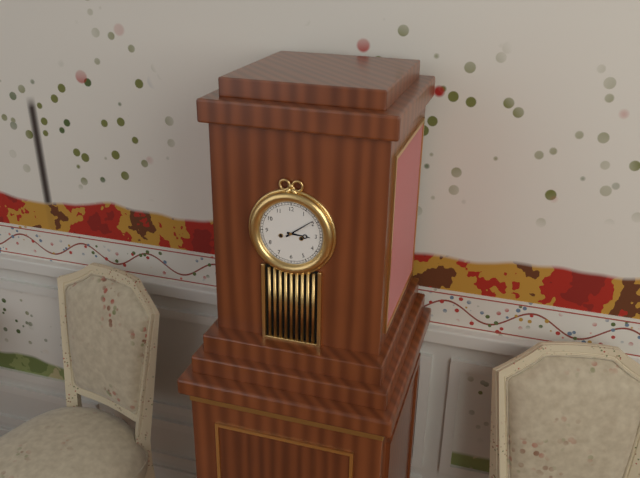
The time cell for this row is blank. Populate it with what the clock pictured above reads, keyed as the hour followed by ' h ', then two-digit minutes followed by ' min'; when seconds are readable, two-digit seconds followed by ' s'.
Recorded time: 3 h 09 min
